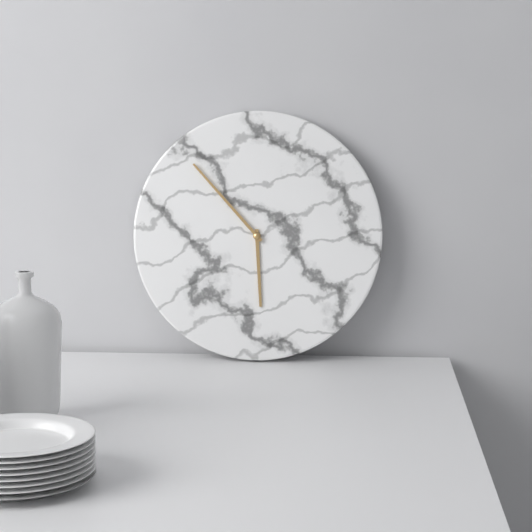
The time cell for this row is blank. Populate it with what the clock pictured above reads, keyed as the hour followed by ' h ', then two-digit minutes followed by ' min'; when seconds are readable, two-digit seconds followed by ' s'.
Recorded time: 5 h 53 min
